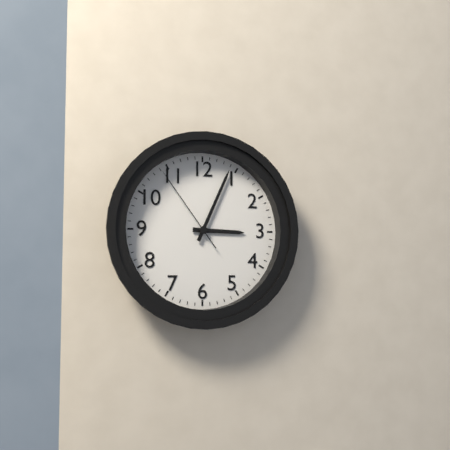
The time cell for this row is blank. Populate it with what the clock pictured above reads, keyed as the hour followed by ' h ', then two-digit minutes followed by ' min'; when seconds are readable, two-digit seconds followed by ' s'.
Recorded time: 3 h 04 min 54 s
